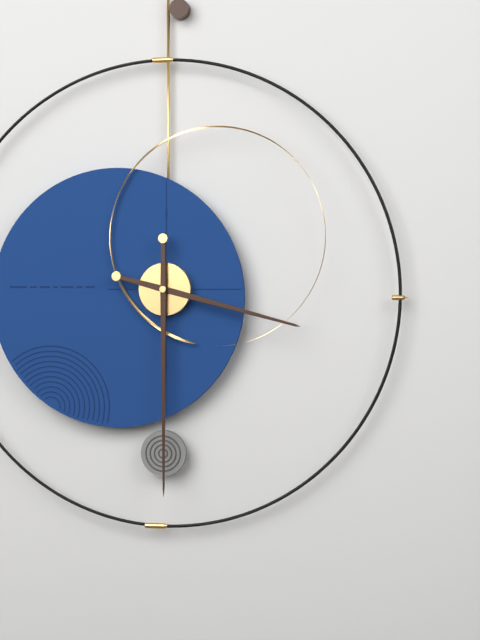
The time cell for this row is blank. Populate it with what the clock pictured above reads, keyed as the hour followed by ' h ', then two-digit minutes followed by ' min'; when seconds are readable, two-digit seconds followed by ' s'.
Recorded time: 3 h 30 min
